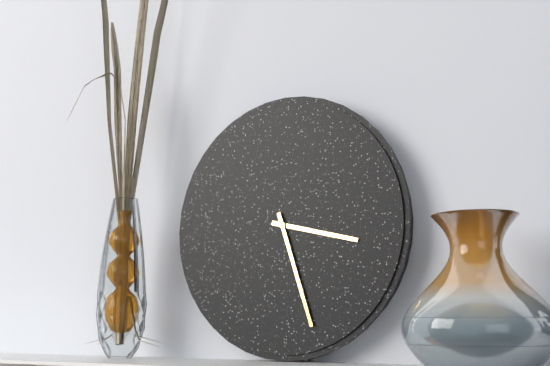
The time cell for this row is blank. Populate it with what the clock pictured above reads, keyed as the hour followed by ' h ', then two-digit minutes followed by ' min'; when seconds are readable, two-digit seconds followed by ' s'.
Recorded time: 3 h 27 min
